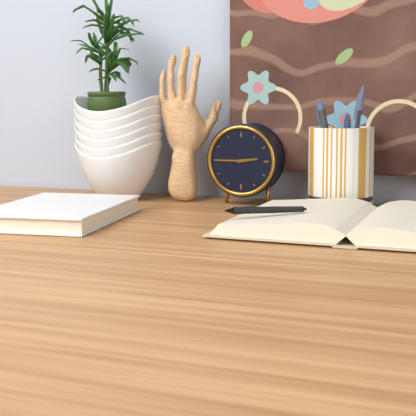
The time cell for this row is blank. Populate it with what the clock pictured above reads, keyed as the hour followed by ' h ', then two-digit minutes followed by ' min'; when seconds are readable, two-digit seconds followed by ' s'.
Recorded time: 2 h 45 min
